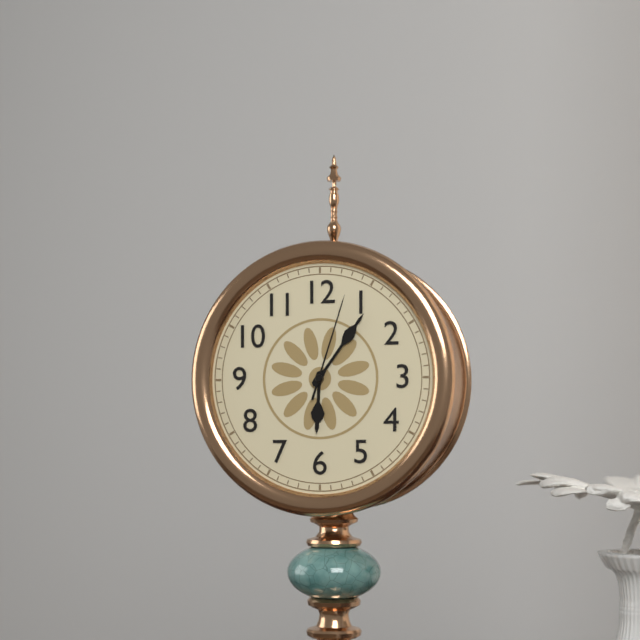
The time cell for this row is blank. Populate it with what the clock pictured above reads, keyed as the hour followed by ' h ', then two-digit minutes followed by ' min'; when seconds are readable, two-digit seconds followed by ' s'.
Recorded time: 6 h 06 min 03 s
